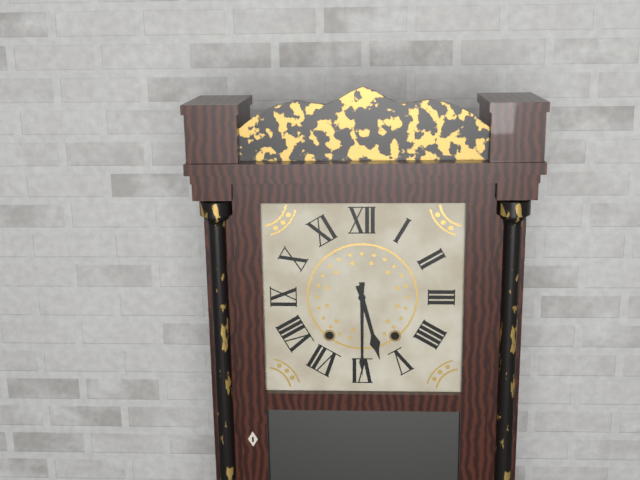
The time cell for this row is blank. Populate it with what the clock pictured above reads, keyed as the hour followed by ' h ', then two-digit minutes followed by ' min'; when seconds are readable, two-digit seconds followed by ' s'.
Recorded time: 5 h 30 min
